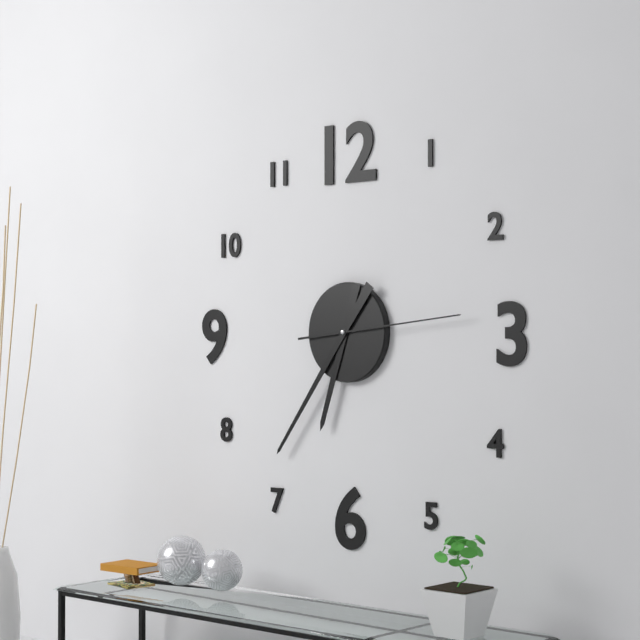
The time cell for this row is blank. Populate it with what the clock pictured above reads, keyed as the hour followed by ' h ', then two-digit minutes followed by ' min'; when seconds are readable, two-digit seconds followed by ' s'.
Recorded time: 6 h 36 min 14 s
